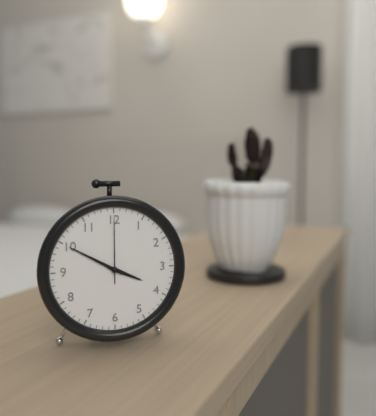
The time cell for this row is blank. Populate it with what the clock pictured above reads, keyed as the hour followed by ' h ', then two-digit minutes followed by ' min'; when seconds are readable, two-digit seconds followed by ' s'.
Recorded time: 3 h 50 min 00 s
